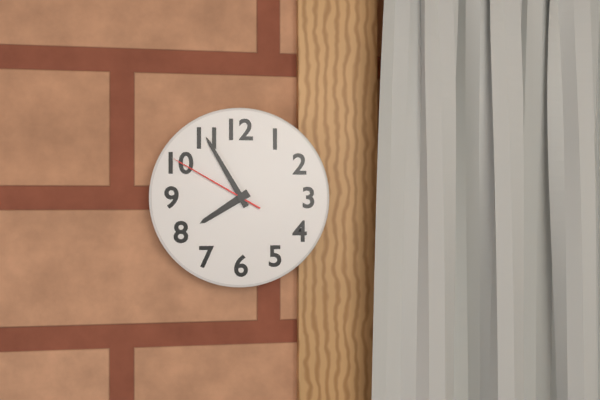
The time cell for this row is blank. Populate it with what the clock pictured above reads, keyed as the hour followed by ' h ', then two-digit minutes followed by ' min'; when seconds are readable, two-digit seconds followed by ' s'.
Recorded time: 7 h 55 min 50 s
